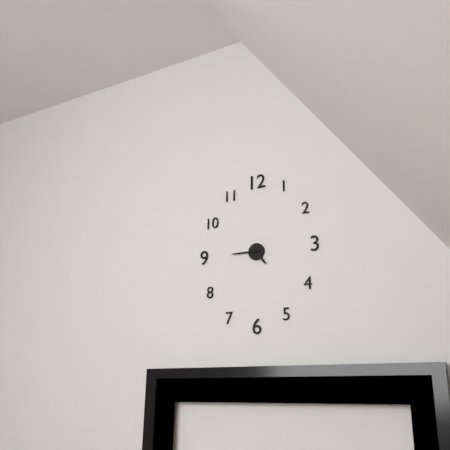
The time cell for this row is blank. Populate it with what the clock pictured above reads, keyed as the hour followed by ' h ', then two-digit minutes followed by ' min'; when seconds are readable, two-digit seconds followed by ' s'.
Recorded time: 4 h 45 min
